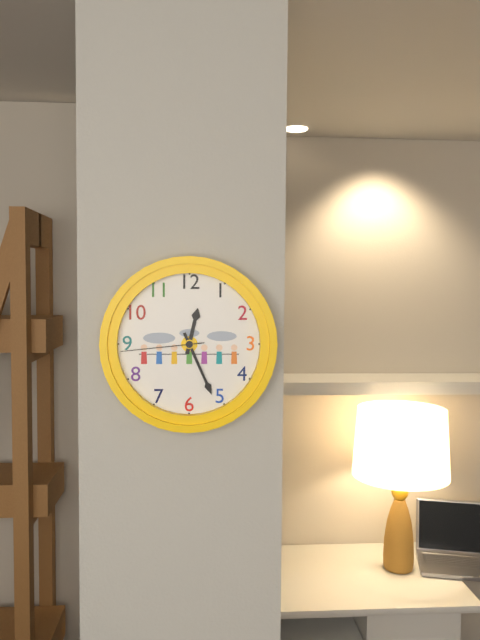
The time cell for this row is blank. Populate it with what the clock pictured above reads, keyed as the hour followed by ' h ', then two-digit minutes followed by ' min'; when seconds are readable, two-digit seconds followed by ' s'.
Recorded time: 12 h 26 min 44 s
